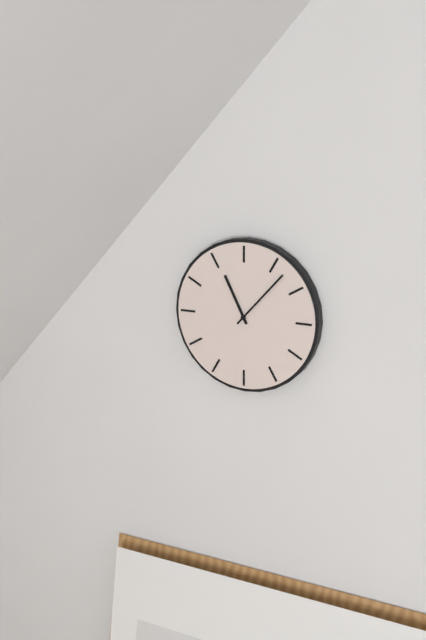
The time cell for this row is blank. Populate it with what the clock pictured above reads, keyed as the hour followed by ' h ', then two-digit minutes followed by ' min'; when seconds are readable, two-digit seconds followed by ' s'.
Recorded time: 11 h 07 min
